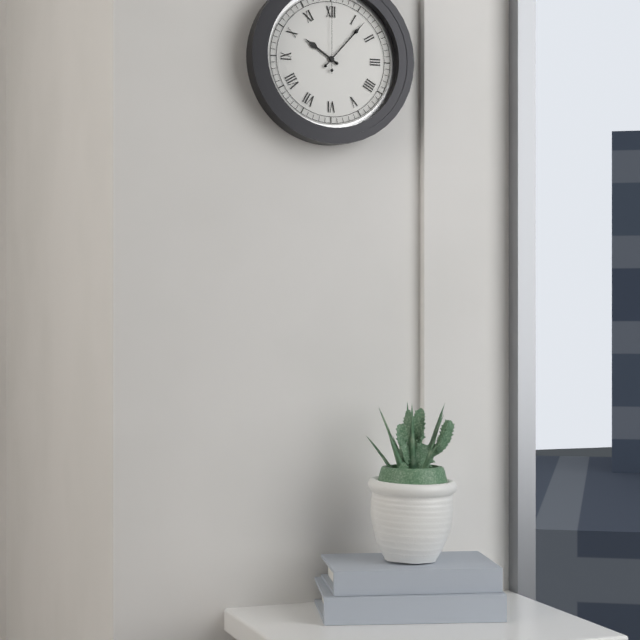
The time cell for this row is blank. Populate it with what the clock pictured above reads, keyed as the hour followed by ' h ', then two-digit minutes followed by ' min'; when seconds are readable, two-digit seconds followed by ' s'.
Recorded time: 10 h 07 min 00 s
